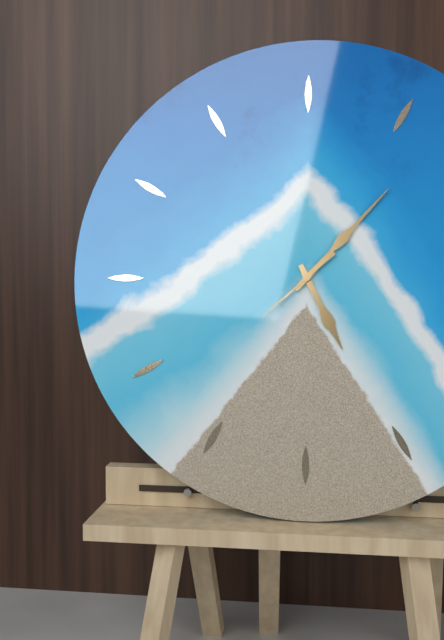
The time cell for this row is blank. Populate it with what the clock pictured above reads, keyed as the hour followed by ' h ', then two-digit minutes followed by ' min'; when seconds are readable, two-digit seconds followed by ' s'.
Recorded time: 5 h 07 min 38 s
